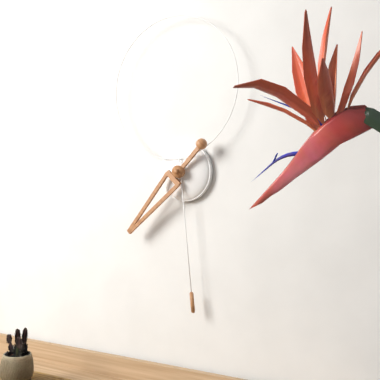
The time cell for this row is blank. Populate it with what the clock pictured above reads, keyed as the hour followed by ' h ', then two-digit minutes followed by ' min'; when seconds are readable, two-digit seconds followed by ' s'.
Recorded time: 7 h 29 min
